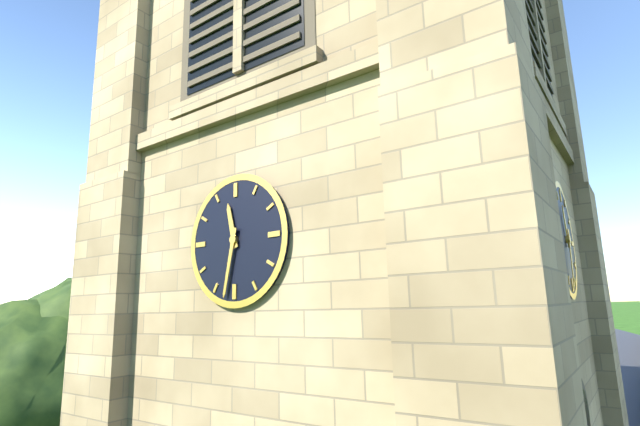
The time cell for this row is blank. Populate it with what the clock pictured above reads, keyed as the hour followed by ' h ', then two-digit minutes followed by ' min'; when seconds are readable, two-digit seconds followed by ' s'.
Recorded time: 11 h 32 min
